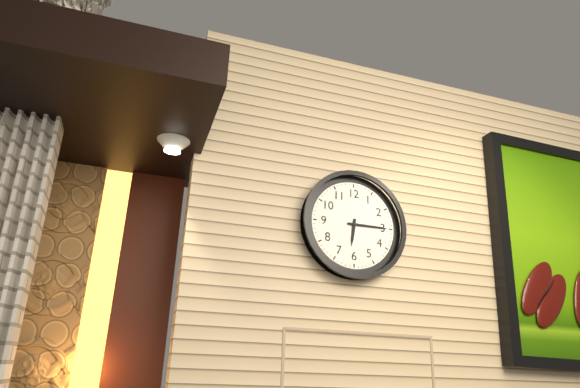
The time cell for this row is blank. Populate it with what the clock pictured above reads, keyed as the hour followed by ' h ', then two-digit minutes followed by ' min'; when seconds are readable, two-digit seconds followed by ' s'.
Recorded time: 6 h 15 min
